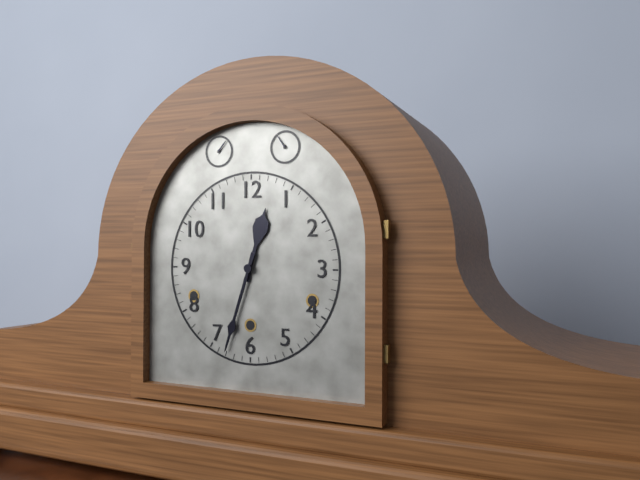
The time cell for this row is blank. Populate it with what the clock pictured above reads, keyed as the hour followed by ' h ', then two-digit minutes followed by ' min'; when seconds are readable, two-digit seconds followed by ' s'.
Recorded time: 12 h 33 min
